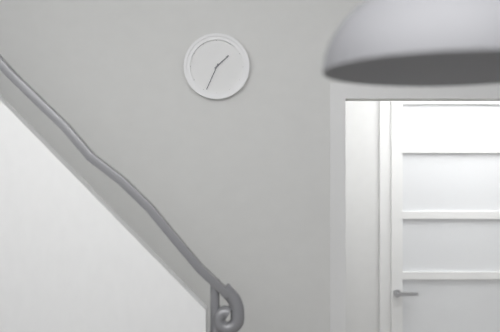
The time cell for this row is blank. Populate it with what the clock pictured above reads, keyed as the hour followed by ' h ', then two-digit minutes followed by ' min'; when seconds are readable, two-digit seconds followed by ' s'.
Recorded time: 1 h 34 min
